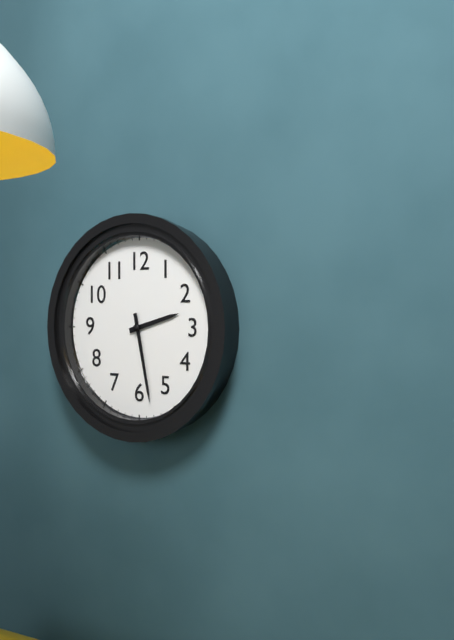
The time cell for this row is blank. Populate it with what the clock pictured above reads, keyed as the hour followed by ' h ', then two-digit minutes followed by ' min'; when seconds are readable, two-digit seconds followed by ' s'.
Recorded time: 2 h 28 min
